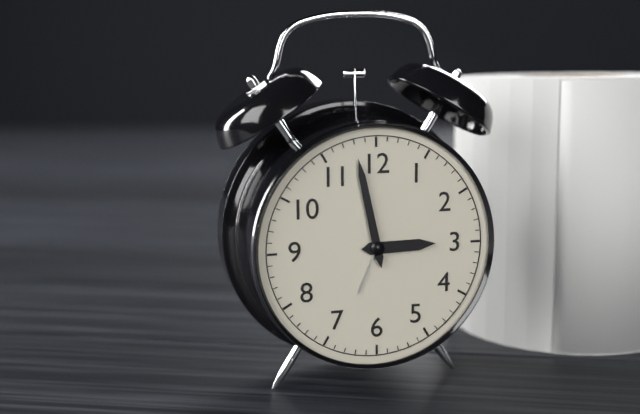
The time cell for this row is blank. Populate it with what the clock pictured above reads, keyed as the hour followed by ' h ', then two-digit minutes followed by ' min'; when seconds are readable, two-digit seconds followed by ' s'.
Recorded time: 2 h 58 min
